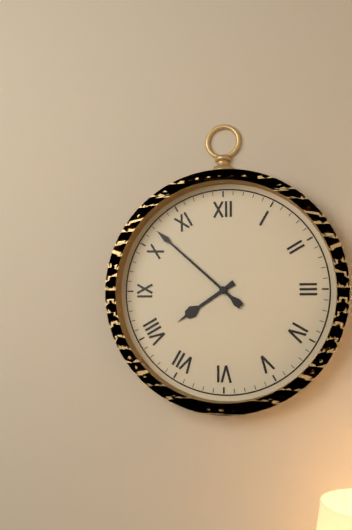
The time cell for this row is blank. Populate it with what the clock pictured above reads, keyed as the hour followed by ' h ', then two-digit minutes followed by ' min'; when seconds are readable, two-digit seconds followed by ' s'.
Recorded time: 7 h 52 min
